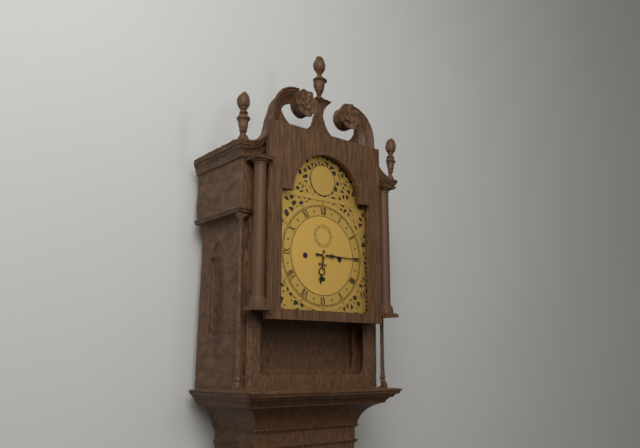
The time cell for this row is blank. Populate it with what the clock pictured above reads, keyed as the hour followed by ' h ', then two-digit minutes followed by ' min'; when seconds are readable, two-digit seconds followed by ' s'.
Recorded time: 6 h 15 min
